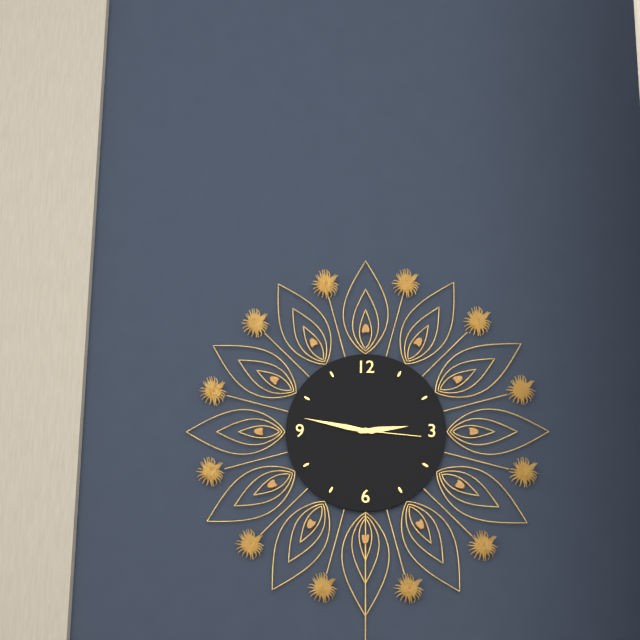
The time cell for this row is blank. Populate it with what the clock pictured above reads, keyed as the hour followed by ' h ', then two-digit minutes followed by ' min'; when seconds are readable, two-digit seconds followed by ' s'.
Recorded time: 2 h 47 min 16 s
